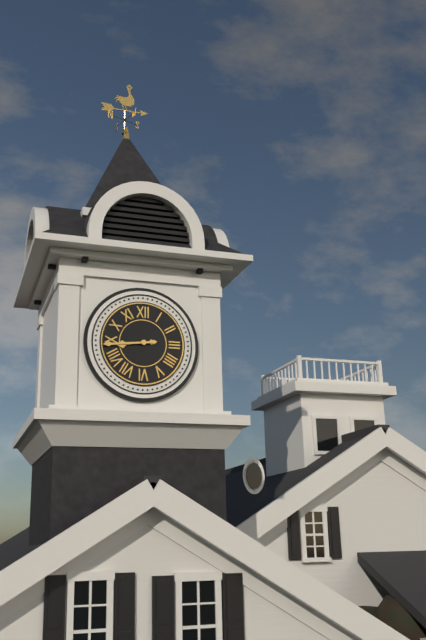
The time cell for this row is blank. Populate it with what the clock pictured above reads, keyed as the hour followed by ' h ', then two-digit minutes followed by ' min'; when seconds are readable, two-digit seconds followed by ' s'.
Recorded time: 8 h 44 min
